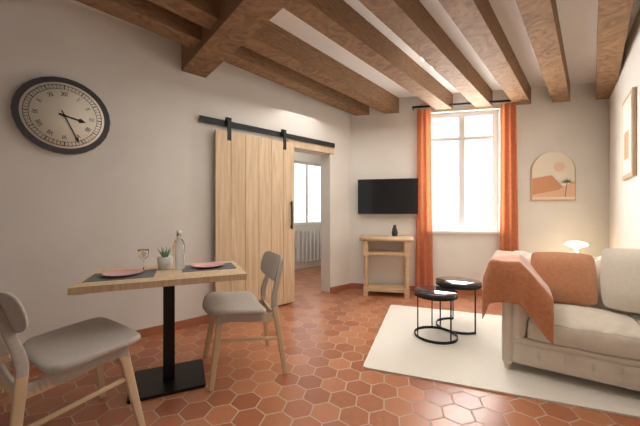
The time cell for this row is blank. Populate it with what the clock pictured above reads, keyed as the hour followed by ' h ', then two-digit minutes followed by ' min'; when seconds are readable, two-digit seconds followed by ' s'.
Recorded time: 3 h 26 min
